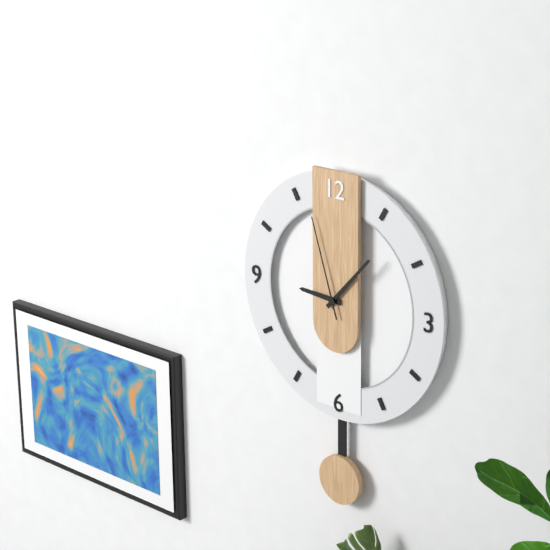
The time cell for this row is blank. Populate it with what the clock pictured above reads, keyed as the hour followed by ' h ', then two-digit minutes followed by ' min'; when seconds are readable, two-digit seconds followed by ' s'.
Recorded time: 9 h 07 min 57 s
